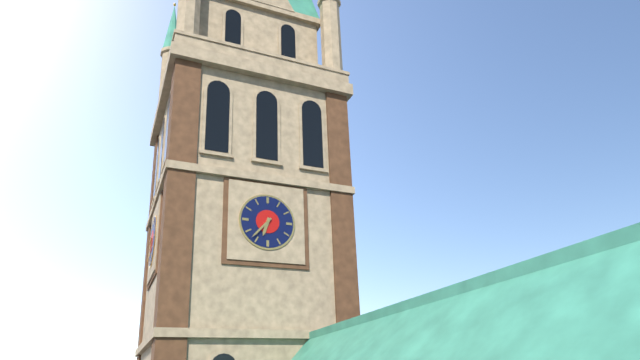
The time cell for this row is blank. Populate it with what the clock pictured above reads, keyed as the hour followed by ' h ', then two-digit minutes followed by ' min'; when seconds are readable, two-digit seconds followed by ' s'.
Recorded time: 6 h 37 min
